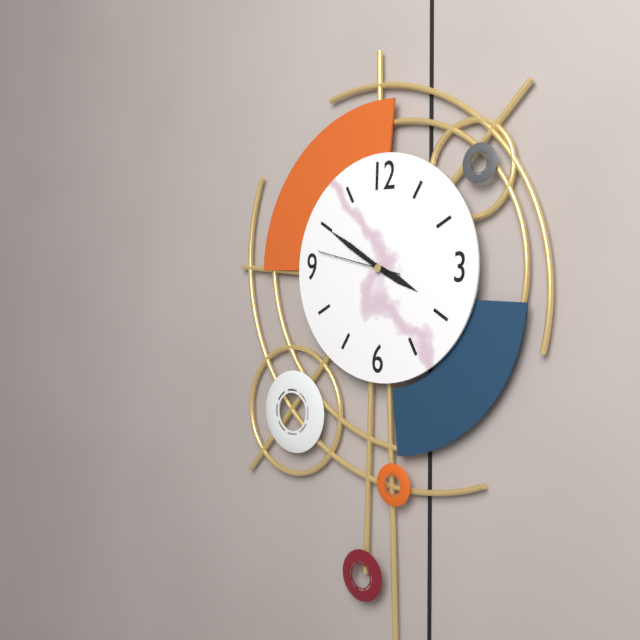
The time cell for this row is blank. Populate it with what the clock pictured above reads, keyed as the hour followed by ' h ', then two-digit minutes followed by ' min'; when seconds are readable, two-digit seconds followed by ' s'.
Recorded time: 3 h 50 min 47 s
